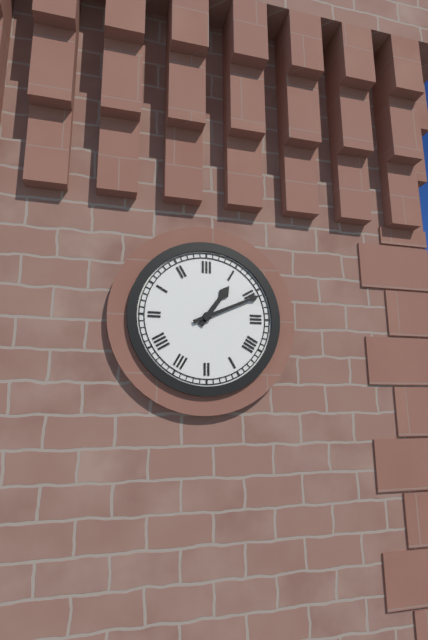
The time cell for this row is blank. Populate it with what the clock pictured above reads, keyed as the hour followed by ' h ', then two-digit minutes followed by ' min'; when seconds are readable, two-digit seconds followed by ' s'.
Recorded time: 1 h 11 min
